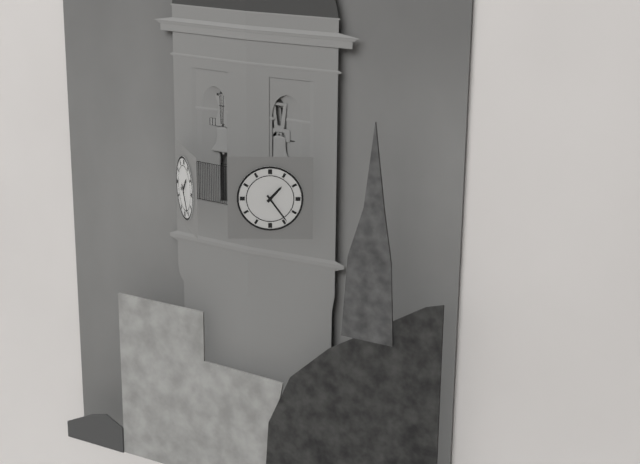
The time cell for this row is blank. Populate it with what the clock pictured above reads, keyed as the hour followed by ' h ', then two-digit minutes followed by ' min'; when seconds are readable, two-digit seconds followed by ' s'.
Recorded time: 1 h 24 min
